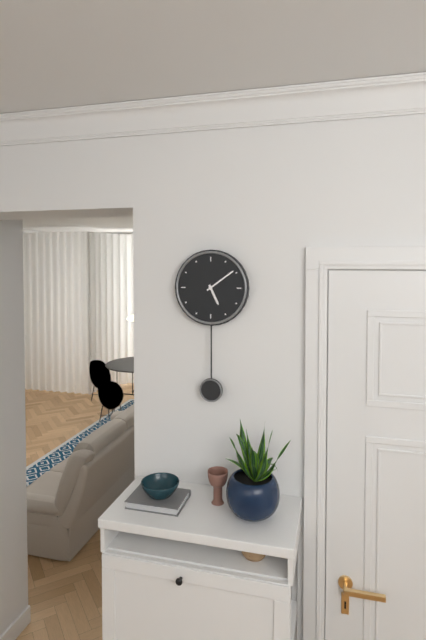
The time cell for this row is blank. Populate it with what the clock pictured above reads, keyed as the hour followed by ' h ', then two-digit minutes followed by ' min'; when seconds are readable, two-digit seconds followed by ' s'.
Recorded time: 5 h 09 min
